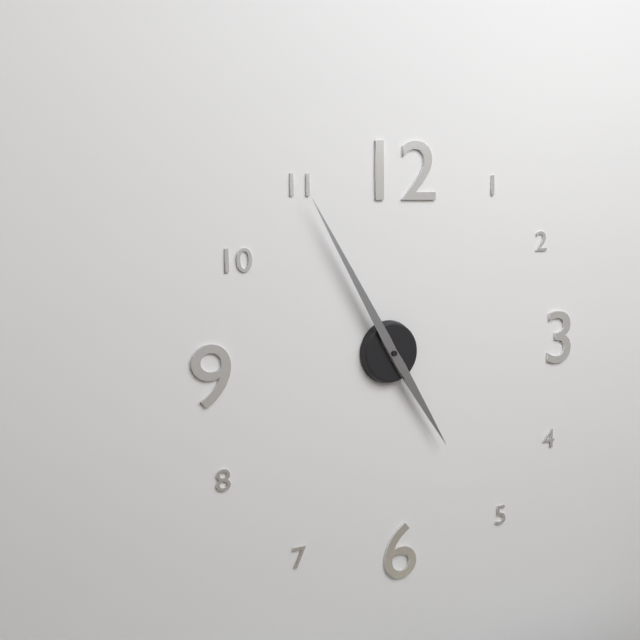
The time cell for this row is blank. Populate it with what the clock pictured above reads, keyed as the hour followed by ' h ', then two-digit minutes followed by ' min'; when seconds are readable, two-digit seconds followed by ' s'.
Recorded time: 4 h 55 min
